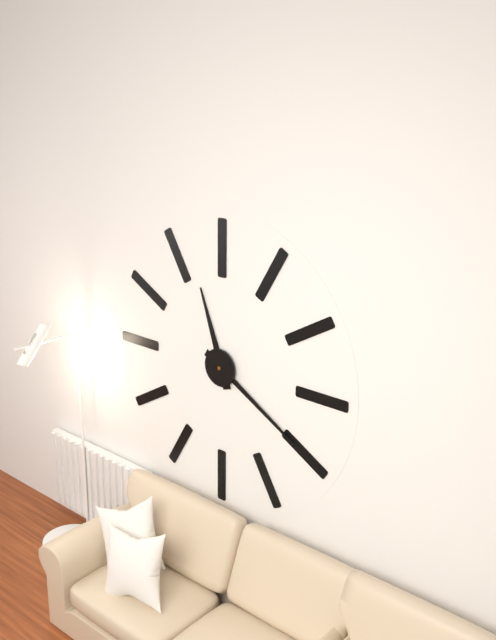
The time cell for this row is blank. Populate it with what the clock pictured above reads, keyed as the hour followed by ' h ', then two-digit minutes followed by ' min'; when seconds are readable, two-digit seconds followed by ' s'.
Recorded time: 11 h 20 min
